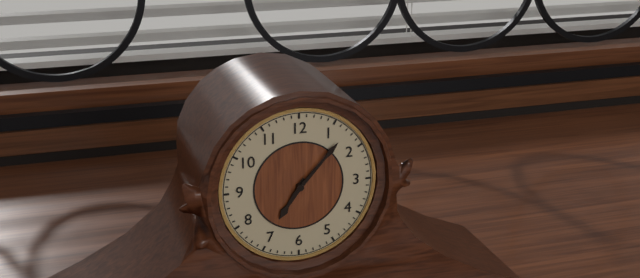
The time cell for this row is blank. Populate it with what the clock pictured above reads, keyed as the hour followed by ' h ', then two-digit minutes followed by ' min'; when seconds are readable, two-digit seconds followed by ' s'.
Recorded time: 7 h 07 min
